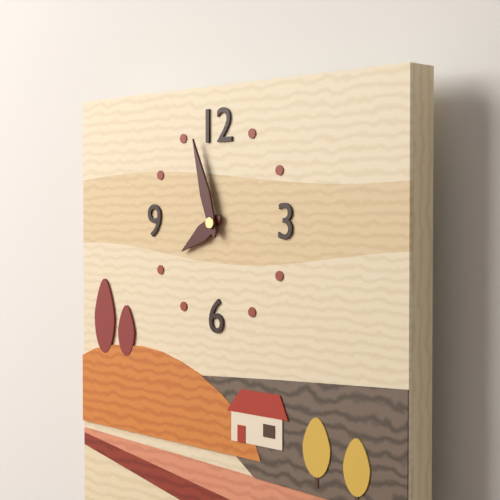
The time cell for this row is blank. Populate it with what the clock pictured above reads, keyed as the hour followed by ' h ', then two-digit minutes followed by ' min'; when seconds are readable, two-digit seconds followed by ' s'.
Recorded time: 7 h 57 min
